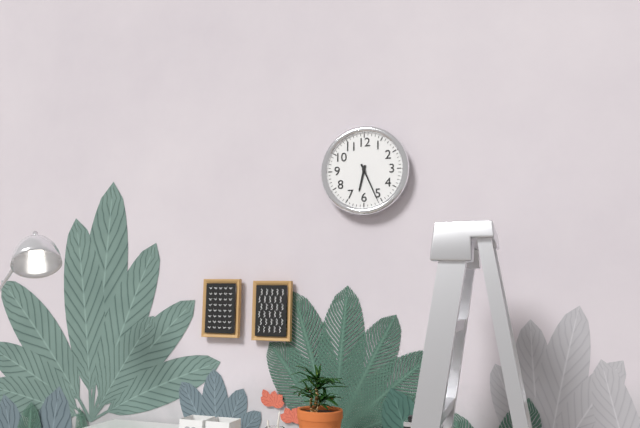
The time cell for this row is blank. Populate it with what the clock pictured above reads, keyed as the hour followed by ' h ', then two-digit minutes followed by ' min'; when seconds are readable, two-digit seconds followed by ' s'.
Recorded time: 6 h 26 min
